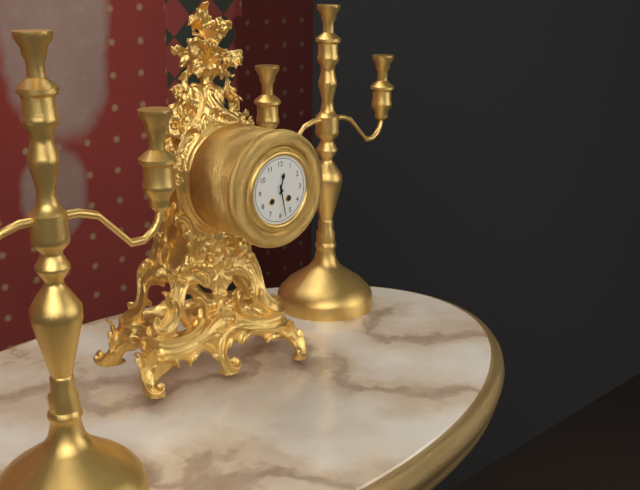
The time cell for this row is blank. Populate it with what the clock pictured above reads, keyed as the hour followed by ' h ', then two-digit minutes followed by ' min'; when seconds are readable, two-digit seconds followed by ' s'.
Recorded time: 12 h 28 min
